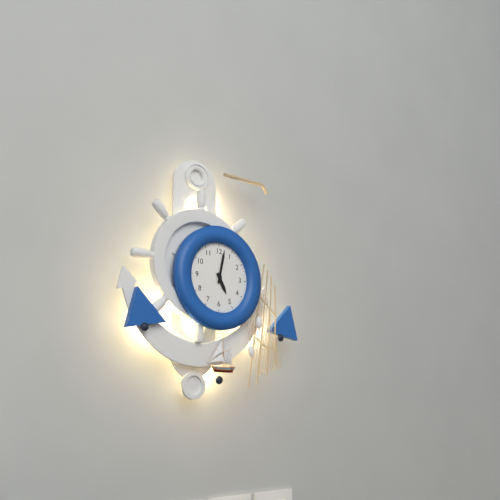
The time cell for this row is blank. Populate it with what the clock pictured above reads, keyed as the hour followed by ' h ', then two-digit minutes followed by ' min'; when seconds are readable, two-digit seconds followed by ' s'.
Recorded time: 5 h 02 min
